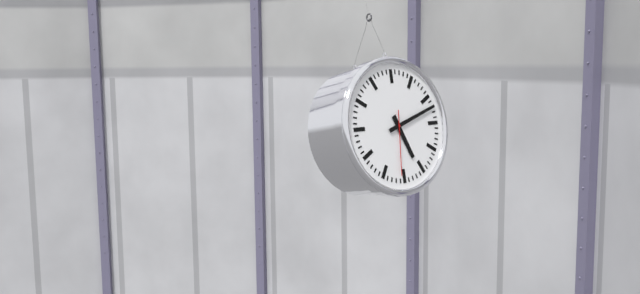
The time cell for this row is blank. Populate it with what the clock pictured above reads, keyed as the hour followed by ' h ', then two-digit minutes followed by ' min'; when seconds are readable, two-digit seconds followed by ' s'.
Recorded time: 5 h 12 min 31 s
